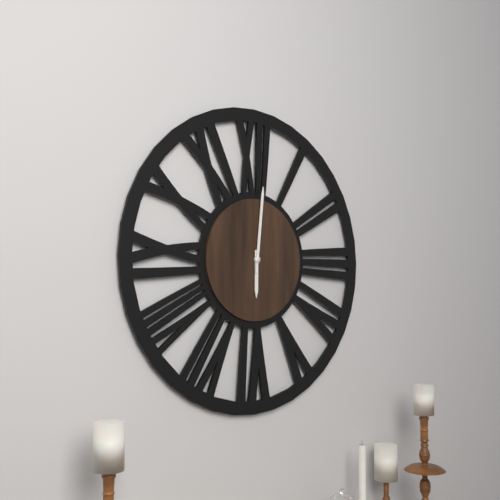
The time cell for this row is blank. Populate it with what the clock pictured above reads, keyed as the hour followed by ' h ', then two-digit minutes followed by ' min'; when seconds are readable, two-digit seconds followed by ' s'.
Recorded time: 6 h 01 min
